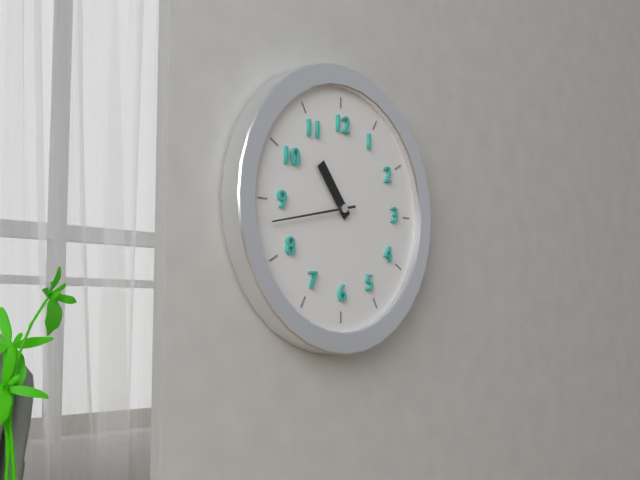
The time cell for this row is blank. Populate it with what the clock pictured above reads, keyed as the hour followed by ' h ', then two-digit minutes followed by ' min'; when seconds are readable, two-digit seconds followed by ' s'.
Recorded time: 10 h 43 min
